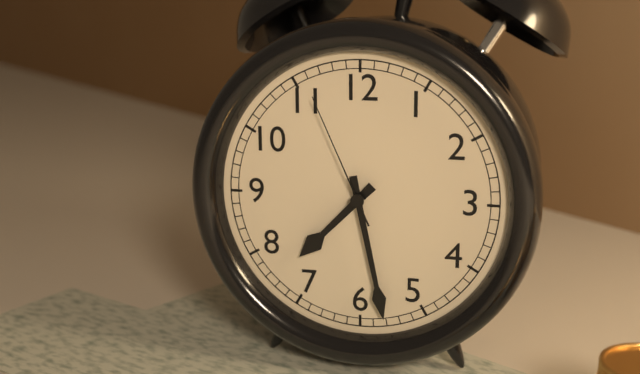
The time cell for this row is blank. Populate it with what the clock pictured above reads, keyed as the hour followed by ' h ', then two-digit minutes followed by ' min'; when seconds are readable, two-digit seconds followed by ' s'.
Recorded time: 7 h 28 min 56 s
